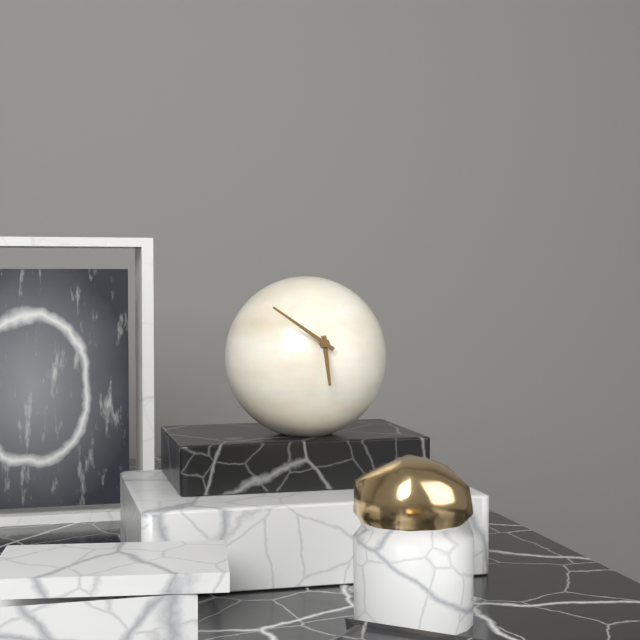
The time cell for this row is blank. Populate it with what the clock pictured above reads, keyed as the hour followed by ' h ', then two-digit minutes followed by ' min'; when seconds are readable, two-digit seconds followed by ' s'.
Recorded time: 5 h 51 min
